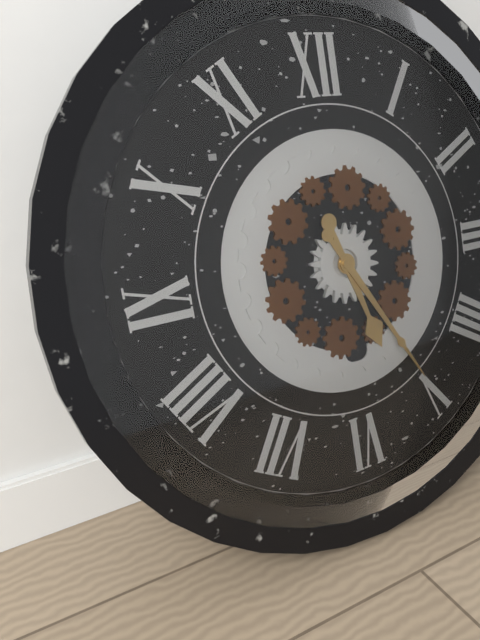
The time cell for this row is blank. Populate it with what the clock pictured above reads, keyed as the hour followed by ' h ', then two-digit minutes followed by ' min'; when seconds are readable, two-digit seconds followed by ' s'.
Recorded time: 5 h 25 min
